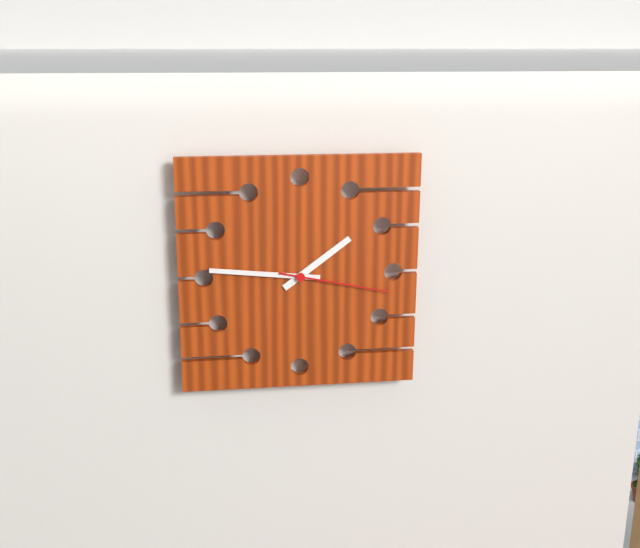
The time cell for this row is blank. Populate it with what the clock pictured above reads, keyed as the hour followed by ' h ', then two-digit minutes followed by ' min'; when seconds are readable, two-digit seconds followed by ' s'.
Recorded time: 1 h 46 min 17 s
